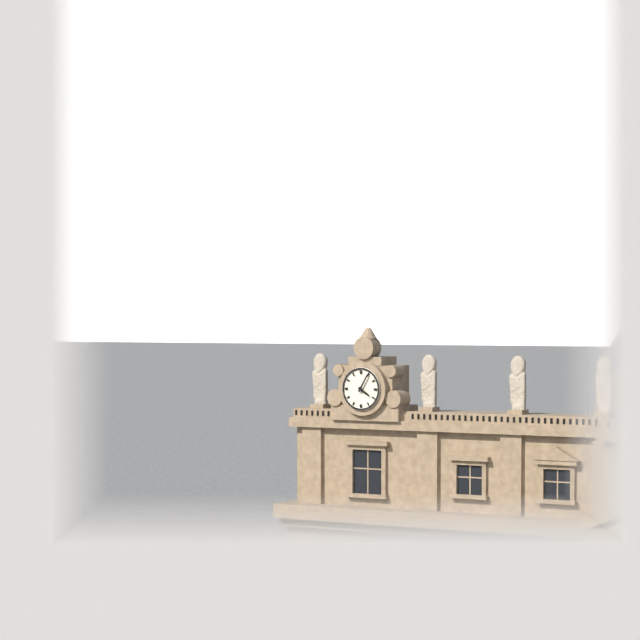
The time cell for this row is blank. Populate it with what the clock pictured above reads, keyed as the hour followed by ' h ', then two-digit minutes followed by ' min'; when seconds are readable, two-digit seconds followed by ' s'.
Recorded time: 4 h 05 min
